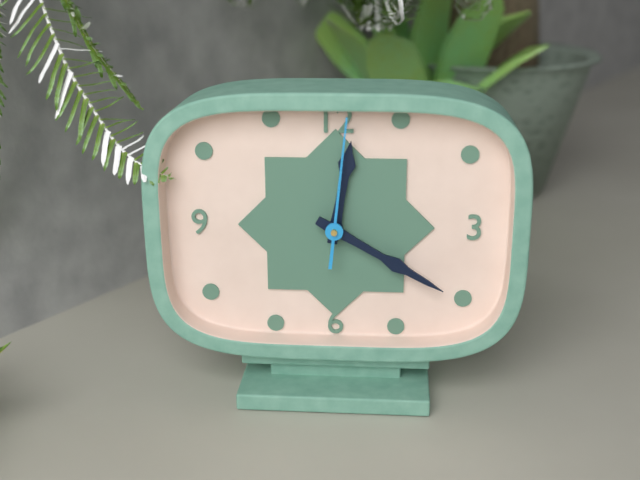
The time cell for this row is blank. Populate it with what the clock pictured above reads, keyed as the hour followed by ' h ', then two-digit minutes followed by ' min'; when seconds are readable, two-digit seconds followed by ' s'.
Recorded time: 12 h 20 min 01 s
